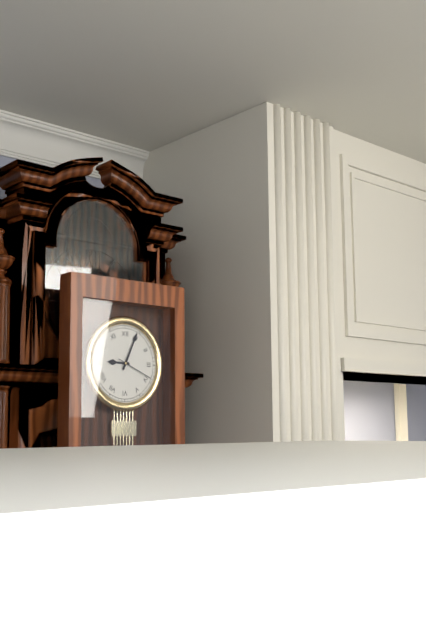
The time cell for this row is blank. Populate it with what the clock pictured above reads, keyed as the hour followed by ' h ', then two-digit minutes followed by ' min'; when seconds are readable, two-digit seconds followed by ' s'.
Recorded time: 9 h 04 min
